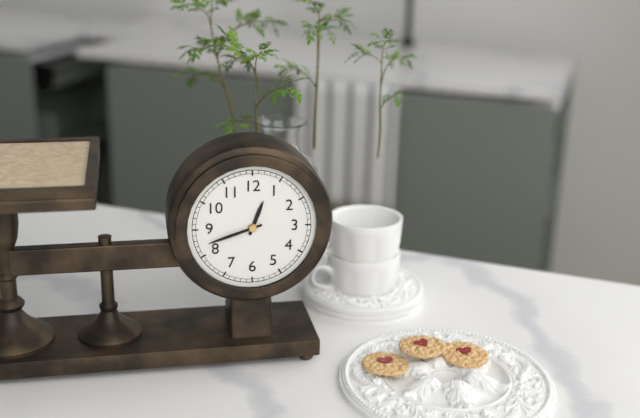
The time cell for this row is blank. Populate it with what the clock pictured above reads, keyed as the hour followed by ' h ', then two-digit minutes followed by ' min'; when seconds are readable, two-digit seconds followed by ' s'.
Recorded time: 12 h 42 min
